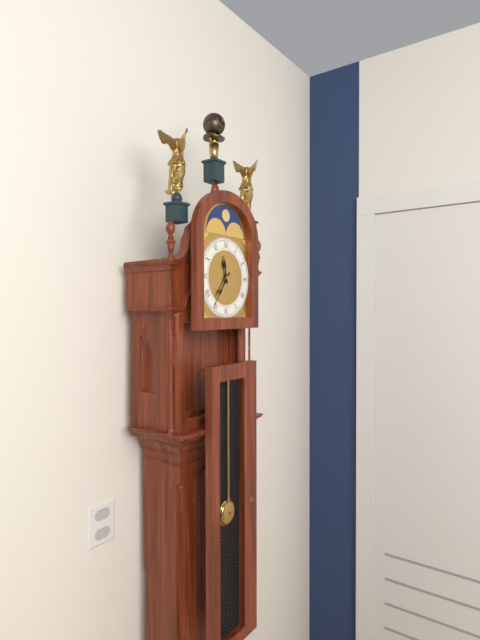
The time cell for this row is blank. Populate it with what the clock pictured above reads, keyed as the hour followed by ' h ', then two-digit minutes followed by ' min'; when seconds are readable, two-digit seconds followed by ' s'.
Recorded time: 11 h 36 min
